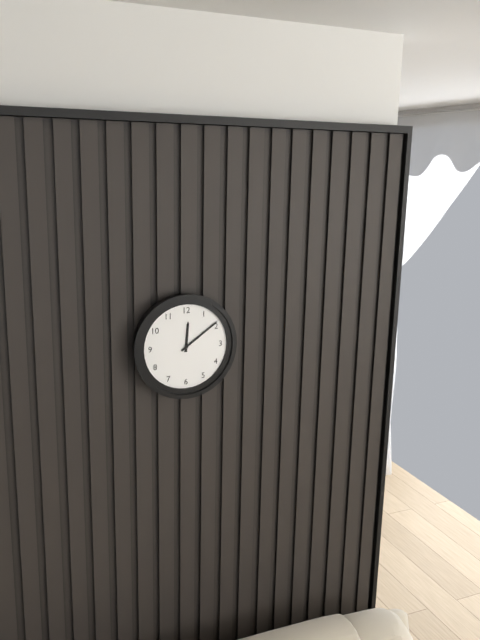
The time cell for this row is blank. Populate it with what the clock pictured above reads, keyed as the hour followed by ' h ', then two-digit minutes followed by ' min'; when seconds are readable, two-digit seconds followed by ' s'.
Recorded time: 12 h 09 min
